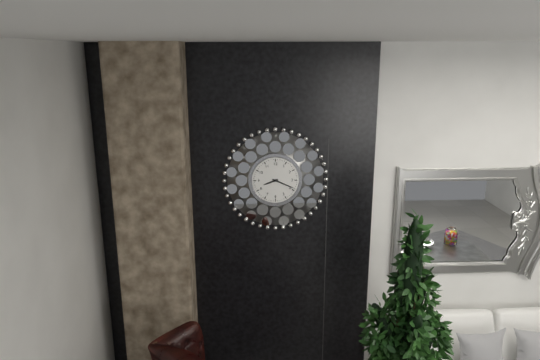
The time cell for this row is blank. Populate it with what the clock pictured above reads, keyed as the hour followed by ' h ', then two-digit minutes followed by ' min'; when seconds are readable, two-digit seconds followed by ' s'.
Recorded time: 8 h 19 min
